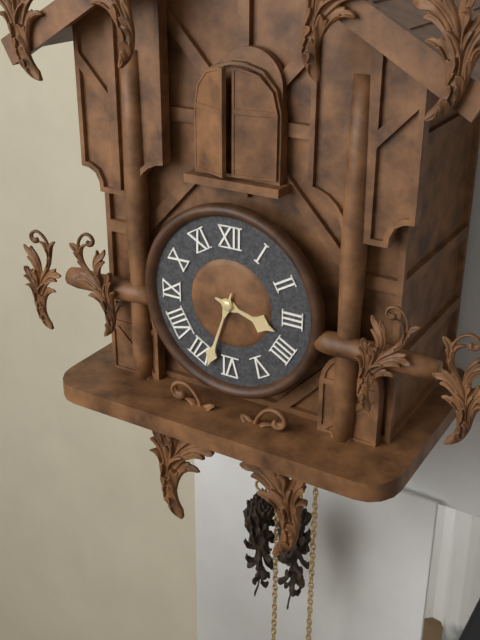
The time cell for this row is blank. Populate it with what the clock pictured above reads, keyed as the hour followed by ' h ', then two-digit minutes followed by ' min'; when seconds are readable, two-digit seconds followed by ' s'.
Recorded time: 3 h 33 min
